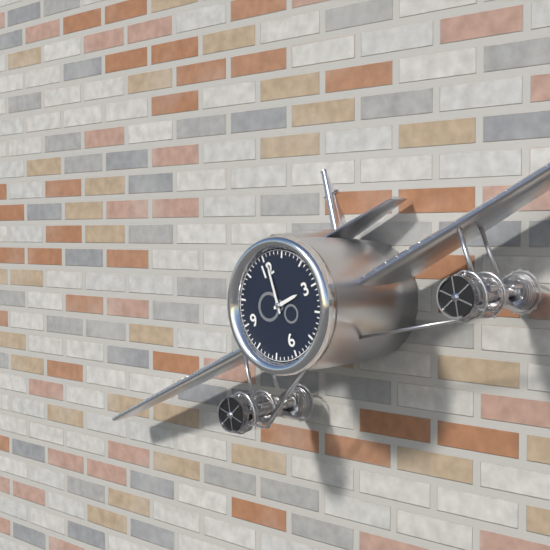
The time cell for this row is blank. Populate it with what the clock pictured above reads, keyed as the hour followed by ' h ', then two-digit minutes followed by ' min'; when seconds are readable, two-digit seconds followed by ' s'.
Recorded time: 3 h 01 min
